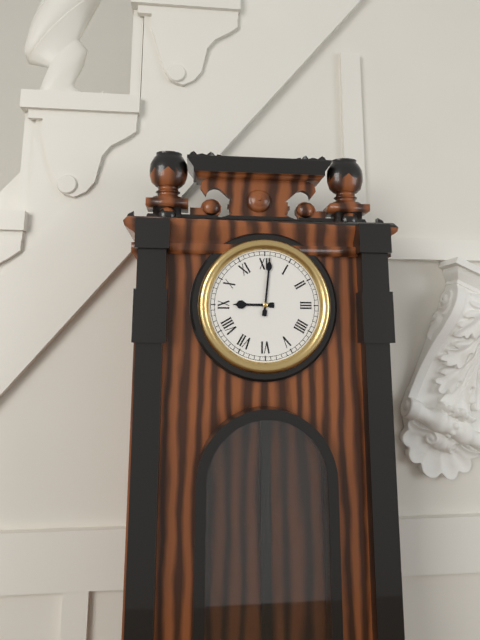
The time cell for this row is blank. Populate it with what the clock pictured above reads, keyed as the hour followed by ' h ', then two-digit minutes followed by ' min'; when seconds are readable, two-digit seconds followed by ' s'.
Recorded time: 9 h 01 min
